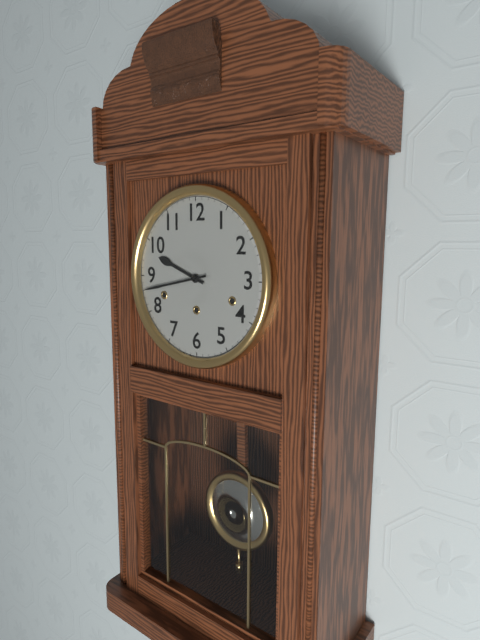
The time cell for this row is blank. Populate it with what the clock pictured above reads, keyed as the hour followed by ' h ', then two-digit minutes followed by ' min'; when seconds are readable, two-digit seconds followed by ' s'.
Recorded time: 9 h 43 min
